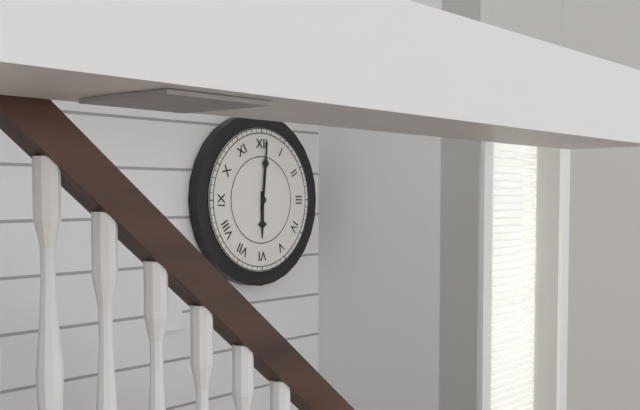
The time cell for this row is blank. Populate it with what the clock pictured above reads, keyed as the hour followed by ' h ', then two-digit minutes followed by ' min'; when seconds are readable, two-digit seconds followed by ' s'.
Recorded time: 6 h 01 min
